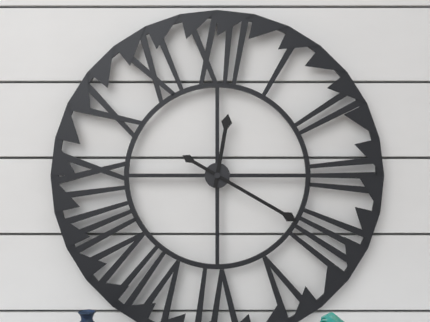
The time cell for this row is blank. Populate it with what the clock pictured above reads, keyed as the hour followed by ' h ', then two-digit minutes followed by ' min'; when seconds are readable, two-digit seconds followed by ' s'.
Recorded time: 12 h 20 min
